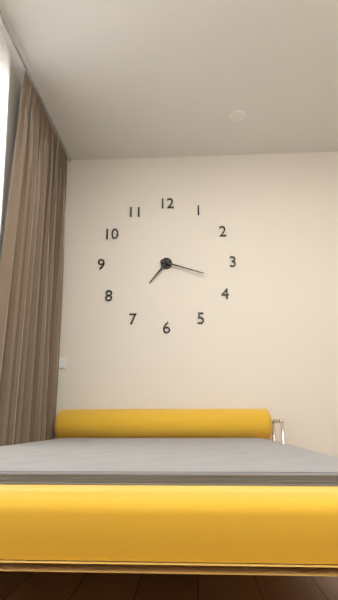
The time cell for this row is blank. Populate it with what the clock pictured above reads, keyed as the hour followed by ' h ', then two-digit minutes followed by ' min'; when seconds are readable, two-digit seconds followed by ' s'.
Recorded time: 7 h 18 min
